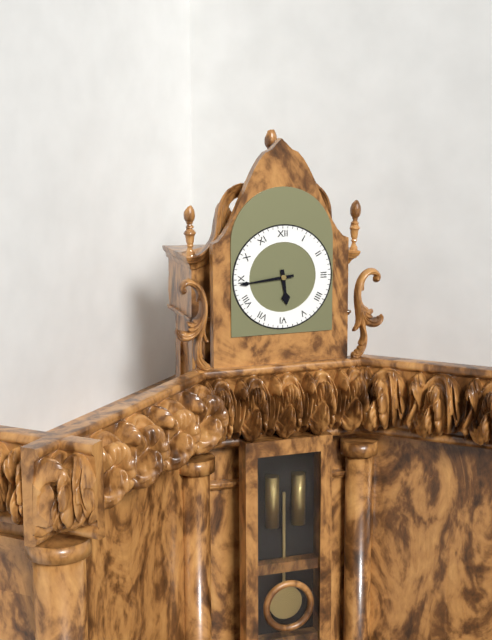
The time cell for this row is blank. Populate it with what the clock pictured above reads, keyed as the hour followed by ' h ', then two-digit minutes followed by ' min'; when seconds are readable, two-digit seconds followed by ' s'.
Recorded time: 5 h 44 min
